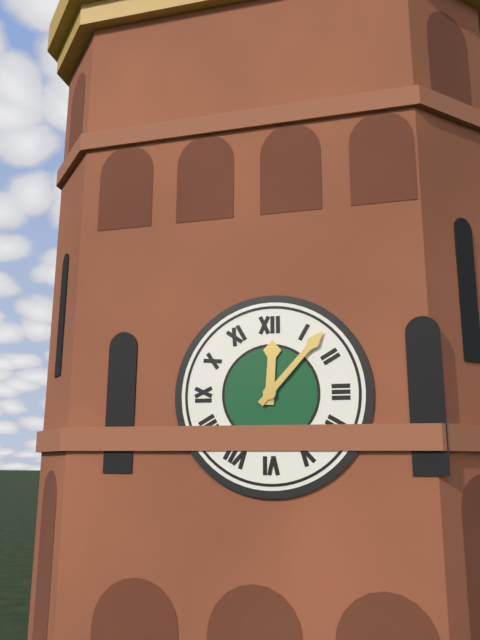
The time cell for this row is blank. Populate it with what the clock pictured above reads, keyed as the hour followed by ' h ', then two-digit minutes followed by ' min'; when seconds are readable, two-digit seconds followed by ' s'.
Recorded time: 12 h 07 min
